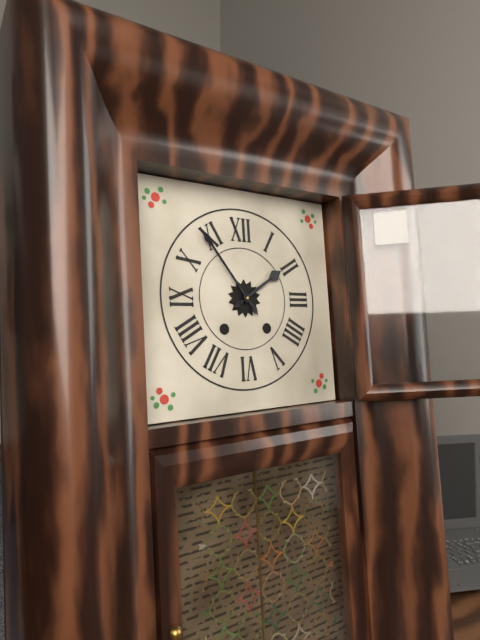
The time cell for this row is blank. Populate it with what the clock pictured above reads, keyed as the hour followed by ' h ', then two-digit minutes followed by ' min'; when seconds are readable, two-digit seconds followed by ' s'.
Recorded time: 1 h 54 min
